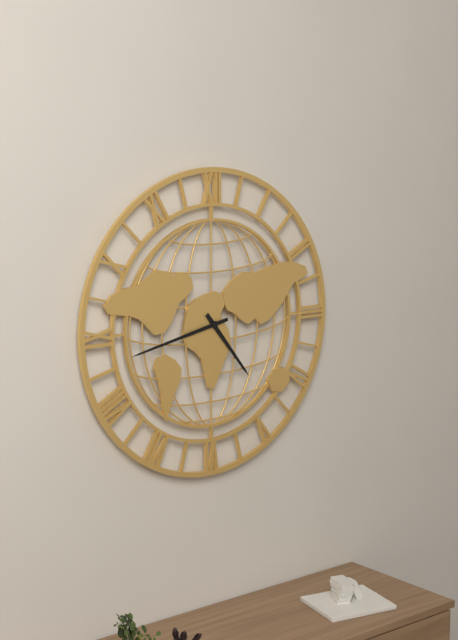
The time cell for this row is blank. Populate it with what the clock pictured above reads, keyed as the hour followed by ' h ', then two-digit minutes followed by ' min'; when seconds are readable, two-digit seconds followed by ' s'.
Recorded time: 4 h 43 min
